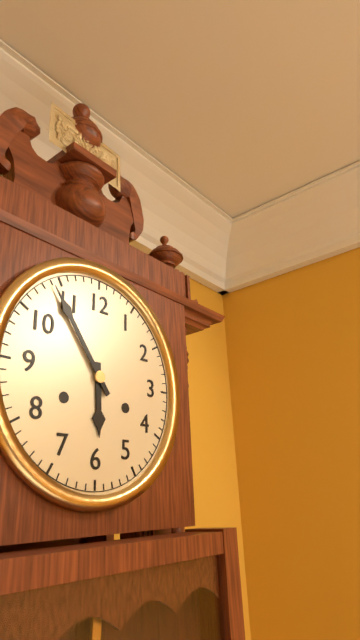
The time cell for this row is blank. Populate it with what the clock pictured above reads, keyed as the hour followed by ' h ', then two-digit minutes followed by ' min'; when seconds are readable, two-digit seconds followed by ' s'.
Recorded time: 5 h 54 min
